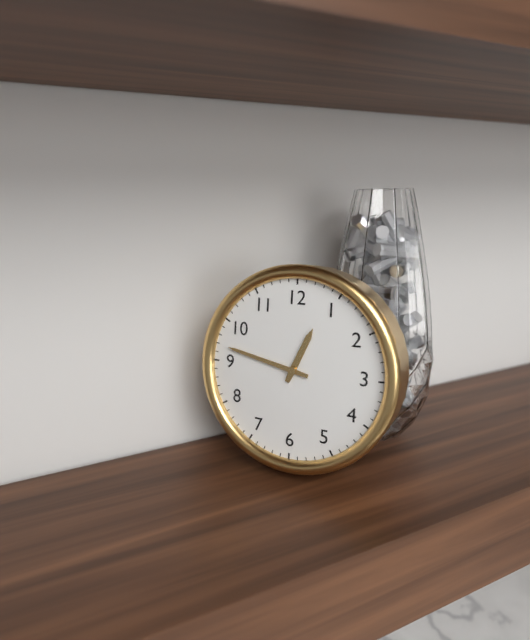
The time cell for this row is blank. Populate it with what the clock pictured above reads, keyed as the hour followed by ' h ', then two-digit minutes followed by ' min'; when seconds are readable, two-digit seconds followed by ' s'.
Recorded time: 12 h 47 min
